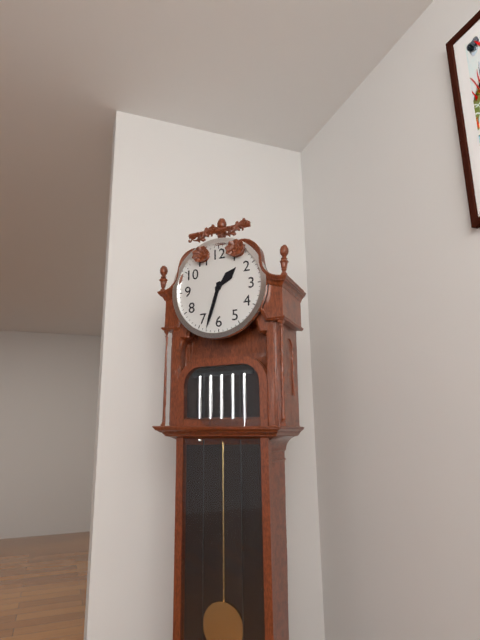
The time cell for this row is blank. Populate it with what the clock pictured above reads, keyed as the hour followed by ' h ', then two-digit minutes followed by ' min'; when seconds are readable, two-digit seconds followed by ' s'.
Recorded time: 1 h 33 min
